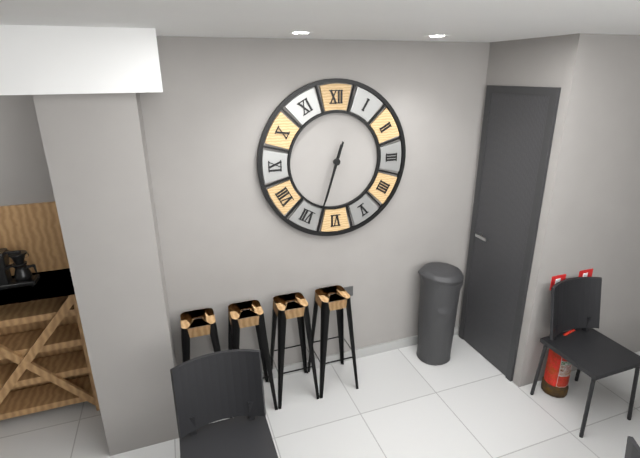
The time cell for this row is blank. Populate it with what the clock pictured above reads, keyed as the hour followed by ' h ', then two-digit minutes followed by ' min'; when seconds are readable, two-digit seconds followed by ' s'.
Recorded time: 6 h 33 min
